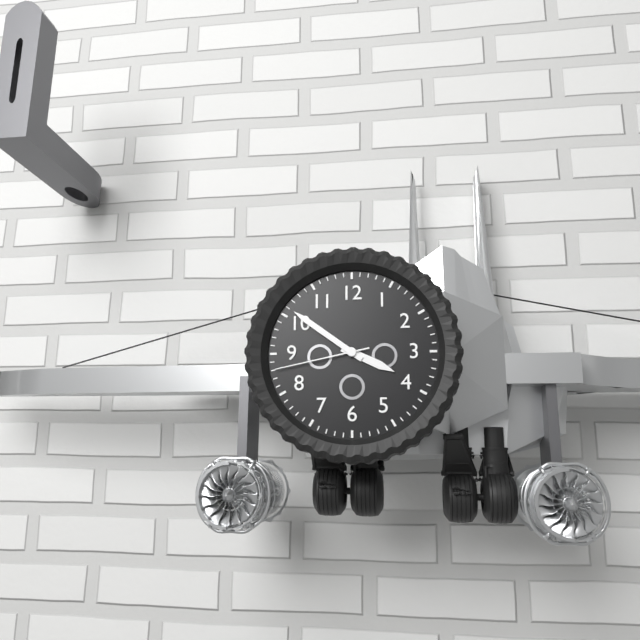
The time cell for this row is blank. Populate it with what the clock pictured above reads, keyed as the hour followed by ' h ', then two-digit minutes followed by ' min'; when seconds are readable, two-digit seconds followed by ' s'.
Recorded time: 3 h 51 min 43 s
